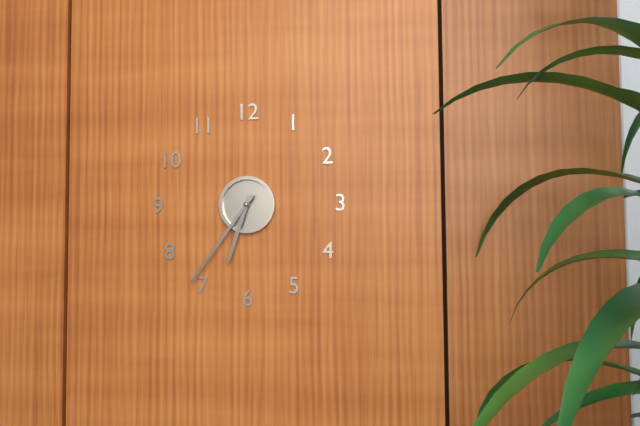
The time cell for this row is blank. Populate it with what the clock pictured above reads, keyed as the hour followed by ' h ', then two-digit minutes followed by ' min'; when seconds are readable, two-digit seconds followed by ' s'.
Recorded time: 6 h 36 min
